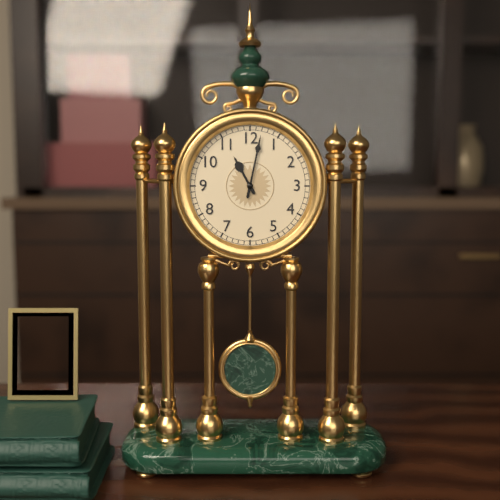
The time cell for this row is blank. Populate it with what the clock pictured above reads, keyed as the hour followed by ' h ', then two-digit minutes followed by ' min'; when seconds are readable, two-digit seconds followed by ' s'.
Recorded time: 11 h 02 min
